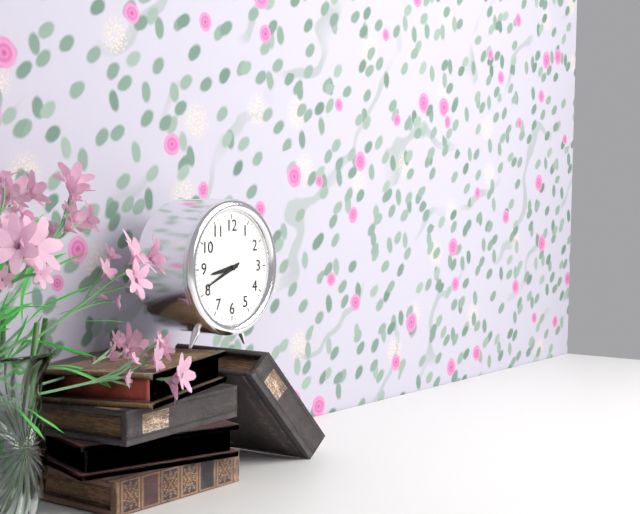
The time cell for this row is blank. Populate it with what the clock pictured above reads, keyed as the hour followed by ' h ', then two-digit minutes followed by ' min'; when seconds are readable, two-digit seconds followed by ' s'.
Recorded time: 8 h 41 min
